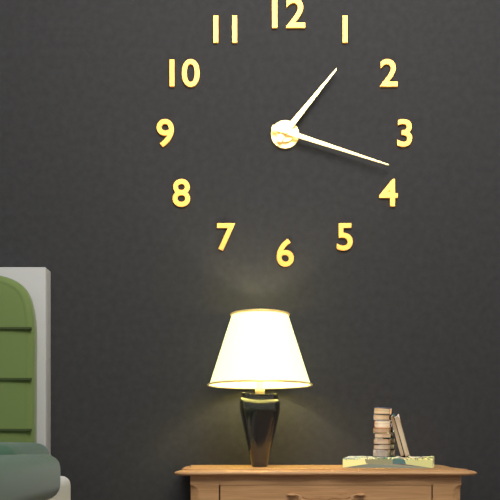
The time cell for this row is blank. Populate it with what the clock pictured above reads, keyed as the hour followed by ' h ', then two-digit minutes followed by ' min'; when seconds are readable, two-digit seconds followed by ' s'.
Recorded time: 1 h 18 min
